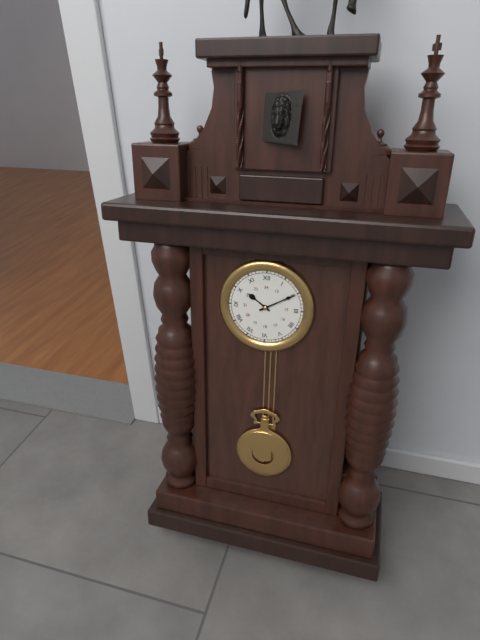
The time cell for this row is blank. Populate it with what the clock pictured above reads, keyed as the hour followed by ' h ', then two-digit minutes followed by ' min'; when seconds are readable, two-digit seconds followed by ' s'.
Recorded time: 10 h 10 min
